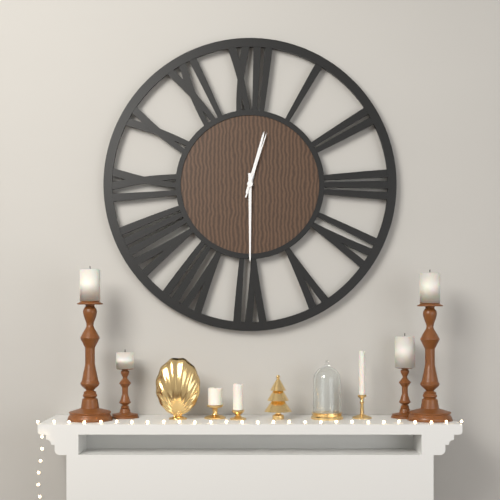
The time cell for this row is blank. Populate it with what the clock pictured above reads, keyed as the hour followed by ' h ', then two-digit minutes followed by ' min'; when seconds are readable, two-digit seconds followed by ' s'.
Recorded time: 12 h 30 min 03 s
